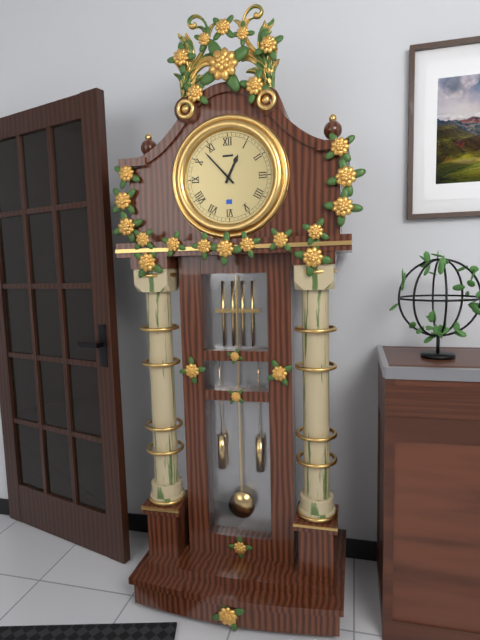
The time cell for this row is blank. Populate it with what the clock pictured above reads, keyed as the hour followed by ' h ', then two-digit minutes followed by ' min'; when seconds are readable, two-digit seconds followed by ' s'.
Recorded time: 12 h 53 min
